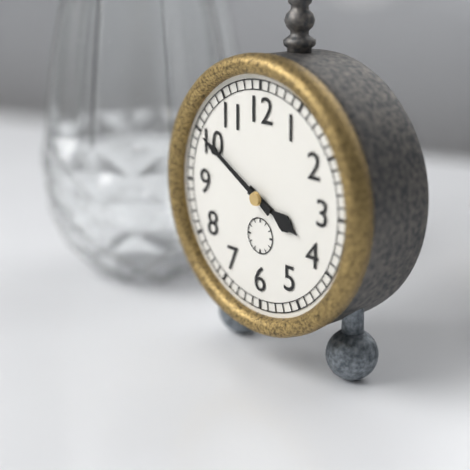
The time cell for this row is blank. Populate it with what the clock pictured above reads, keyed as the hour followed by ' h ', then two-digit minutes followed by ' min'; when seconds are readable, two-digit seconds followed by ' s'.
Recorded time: 3 h 50 min
